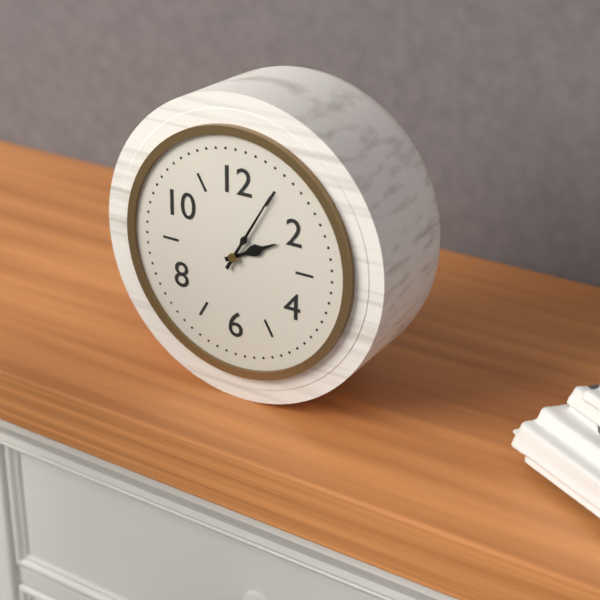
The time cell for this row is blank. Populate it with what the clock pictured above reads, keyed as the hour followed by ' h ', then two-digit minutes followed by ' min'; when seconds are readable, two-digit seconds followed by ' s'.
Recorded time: 2 h 05 min
